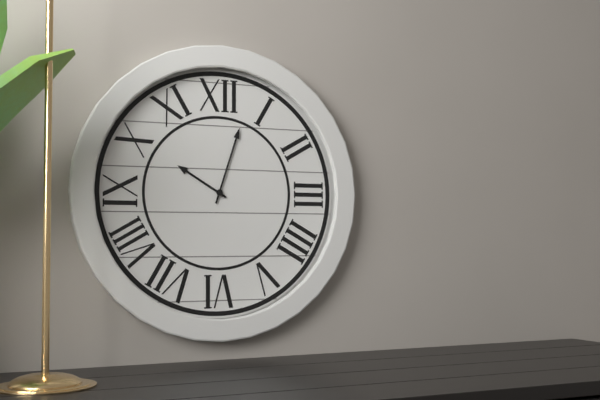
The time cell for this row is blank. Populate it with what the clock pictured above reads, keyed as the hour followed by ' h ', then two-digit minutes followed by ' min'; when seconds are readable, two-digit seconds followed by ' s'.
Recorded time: 10 h 03 min
